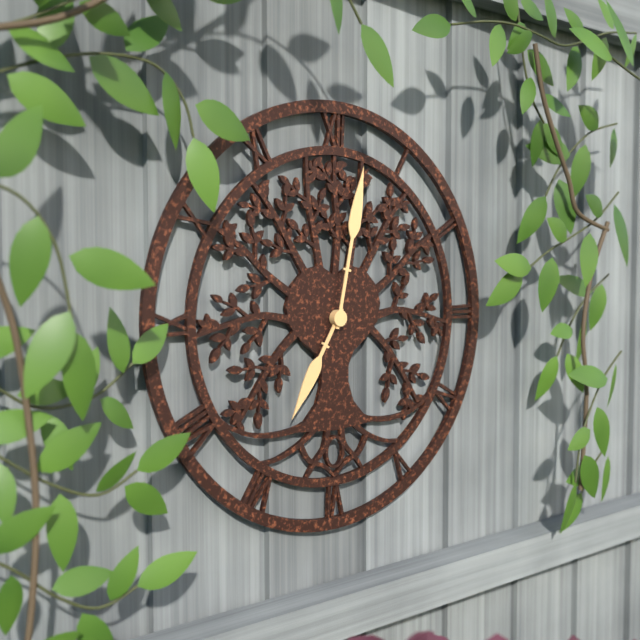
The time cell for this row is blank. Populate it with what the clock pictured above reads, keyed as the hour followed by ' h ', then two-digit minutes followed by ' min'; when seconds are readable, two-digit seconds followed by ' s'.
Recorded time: 7 h 02 min
